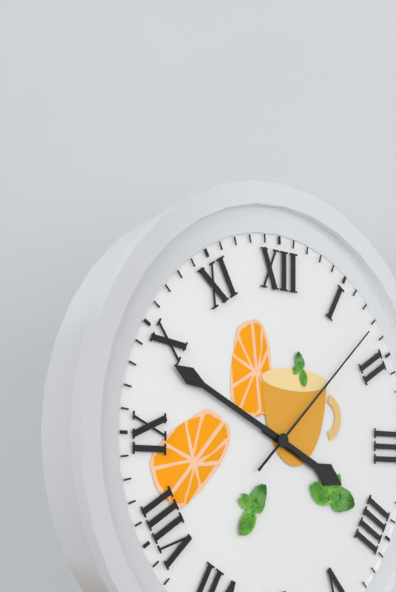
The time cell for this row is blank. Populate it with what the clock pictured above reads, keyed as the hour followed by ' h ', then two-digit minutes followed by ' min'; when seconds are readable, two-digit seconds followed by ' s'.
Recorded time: 3 h 49 min 08 s
